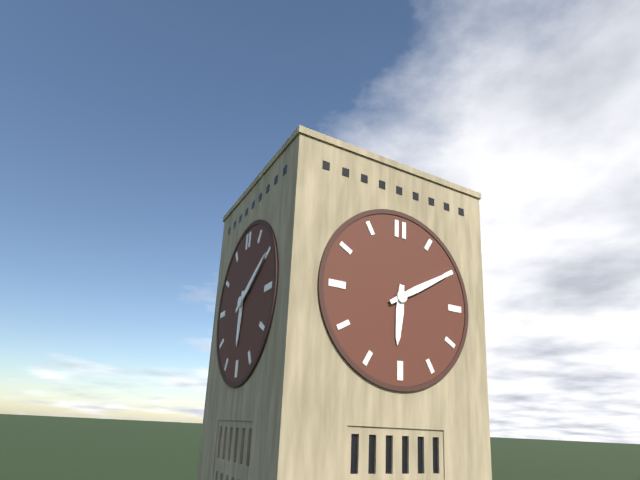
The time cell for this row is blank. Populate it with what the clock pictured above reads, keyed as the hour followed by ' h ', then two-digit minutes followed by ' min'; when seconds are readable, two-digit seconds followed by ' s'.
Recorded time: 6 h 10 min
